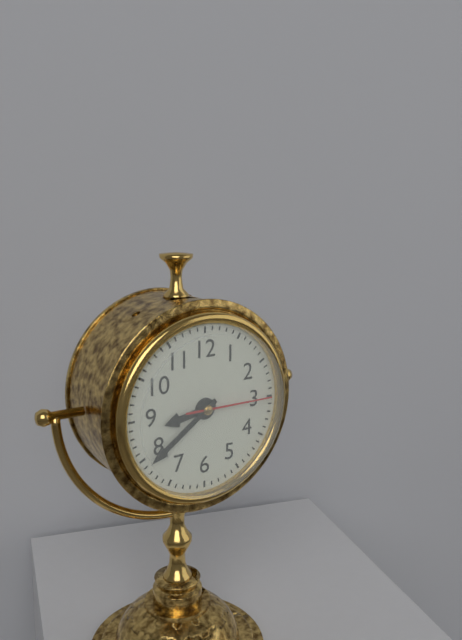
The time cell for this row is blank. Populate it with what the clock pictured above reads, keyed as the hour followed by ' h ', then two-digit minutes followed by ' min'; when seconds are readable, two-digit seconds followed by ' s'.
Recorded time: 8 h 39 min 15 s
